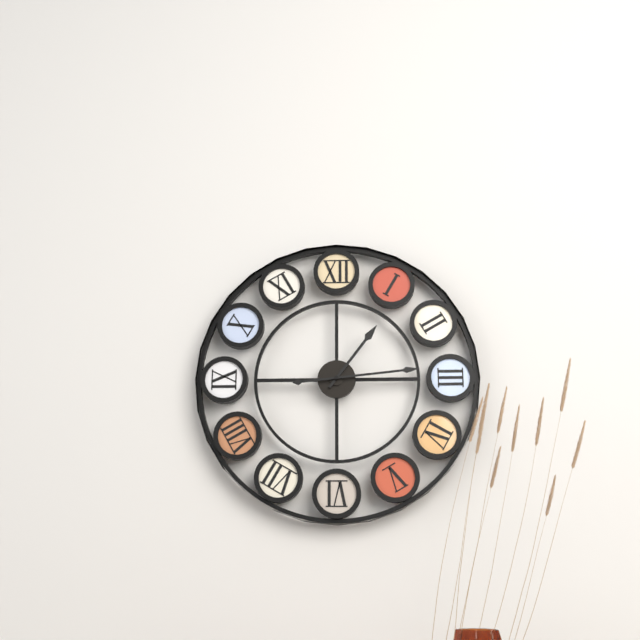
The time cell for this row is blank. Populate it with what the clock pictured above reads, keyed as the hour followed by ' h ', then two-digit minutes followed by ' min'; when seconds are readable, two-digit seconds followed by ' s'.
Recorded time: 1 h 14 min
